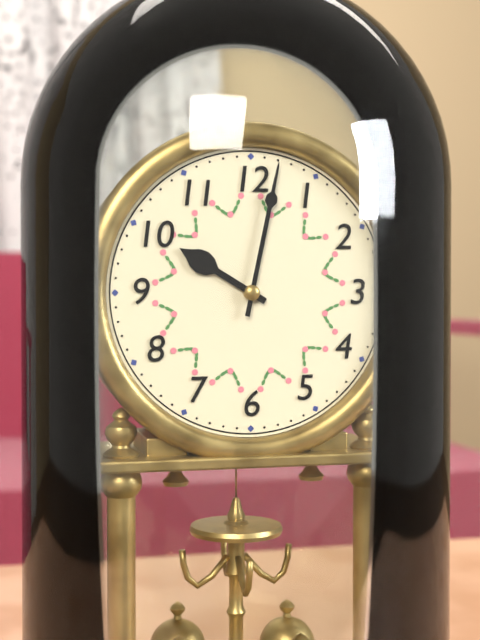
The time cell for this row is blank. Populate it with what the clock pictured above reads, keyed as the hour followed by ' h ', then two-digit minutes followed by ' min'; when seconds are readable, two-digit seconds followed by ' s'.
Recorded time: 10 h 02 min
